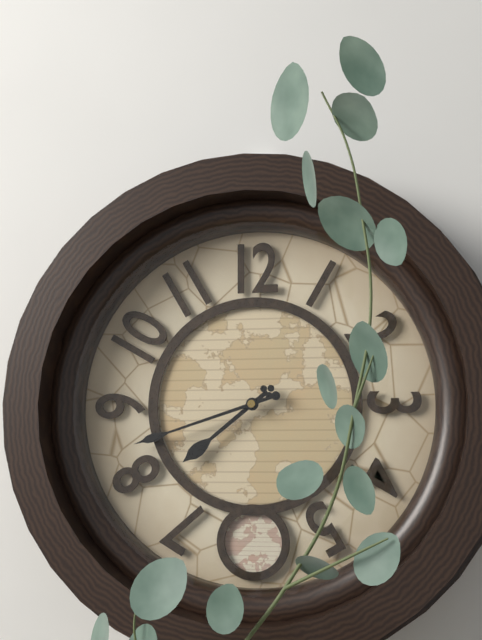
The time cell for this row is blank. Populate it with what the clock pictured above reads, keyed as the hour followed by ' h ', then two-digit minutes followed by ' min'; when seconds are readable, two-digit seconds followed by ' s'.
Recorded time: 7 h 42 min
